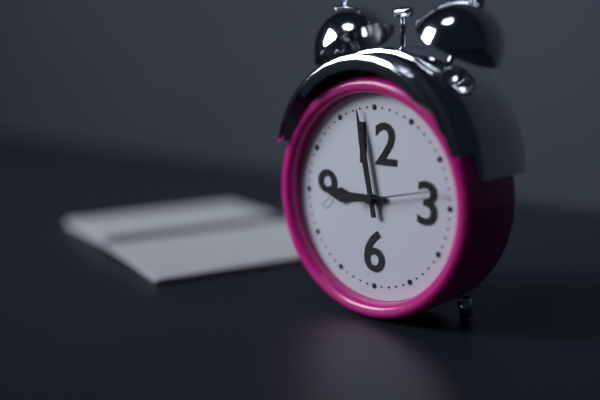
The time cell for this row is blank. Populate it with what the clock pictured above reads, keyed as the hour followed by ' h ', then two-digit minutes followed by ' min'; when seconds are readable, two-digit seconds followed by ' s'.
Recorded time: 8 h 58 min 13 s
